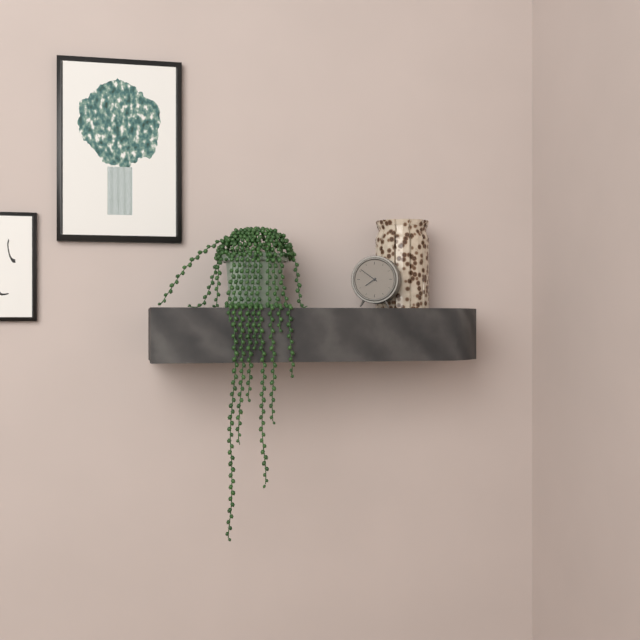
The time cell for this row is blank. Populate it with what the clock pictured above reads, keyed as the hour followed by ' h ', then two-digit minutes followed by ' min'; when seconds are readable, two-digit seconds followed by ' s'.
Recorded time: 7 h 51 min
